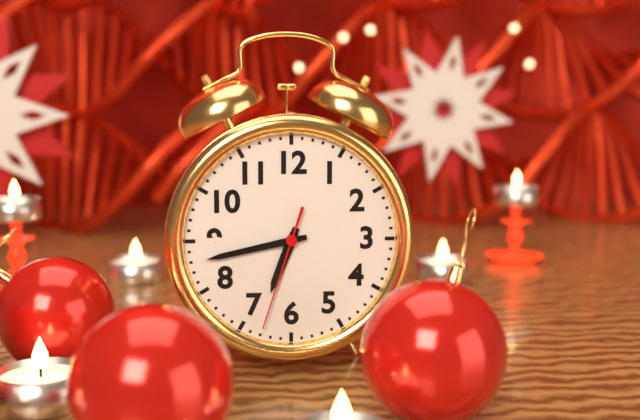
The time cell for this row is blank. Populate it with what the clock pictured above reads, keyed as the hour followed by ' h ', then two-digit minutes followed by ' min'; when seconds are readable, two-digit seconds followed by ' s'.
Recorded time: 6 h 43 min 33 s
